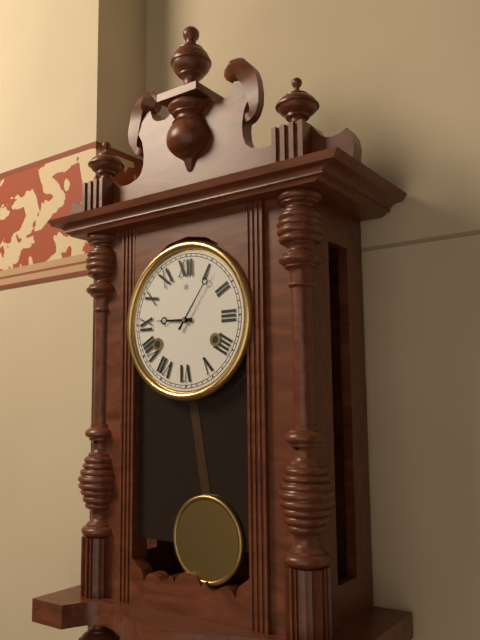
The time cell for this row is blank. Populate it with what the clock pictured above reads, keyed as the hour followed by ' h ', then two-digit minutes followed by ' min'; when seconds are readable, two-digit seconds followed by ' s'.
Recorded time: 9 h 06 min
